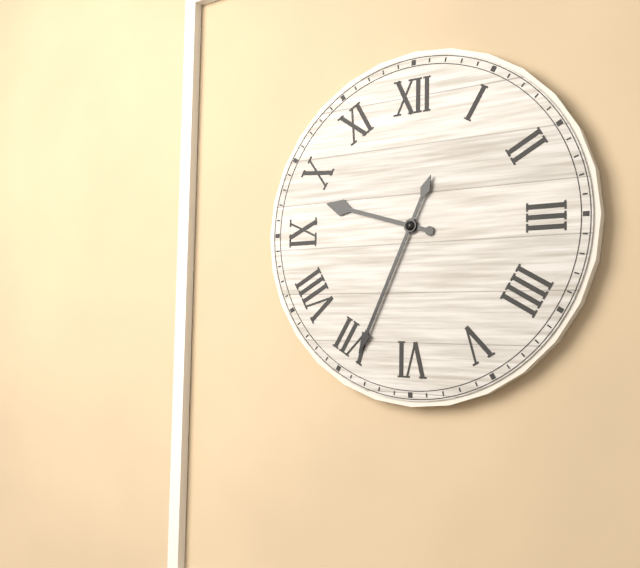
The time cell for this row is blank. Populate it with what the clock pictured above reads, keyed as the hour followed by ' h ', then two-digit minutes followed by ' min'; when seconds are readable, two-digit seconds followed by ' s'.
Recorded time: 9 h 34 min
